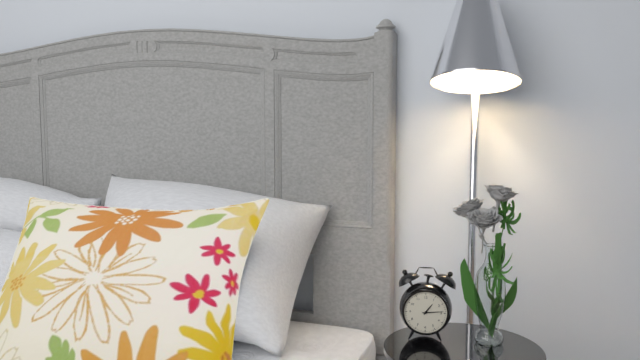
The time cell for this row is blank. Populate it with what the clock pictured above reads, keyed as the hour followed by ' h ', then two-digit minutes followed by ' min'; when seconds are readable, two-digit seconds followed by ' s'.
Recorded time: 1 h 14 min
